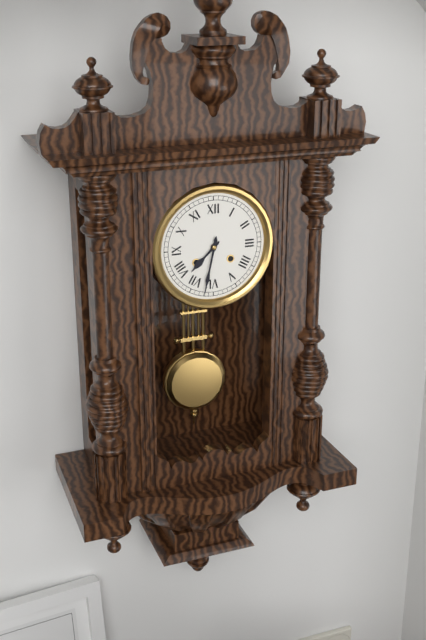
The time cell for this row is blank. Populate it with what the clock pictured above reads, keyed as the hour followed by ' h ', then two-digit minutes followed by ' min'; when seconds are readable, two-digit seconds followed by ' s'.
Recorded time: 7 h 32 min
